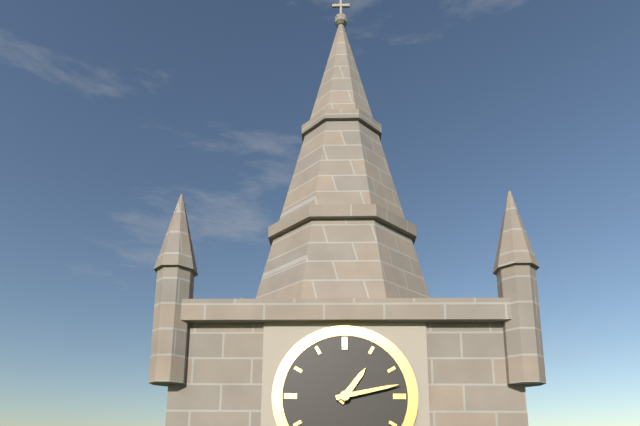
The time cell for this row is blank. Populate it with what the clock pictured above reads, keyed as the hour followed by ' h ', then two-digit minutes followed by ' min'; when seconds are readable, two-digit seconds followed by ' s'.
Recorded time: 1 h 13 min
